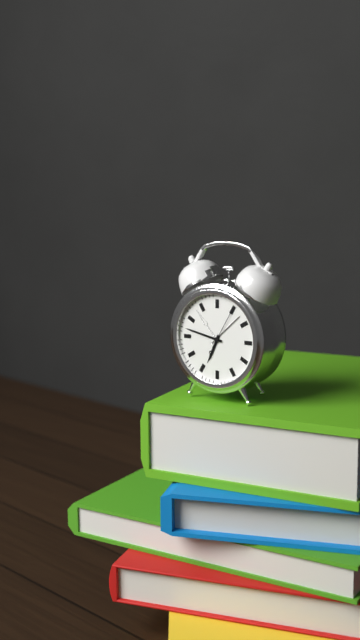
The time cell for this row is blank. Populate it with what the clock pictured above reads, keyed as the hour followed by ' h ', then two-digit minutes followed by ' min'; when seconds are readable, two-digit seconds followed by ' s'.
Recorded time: 6 h 47 min
